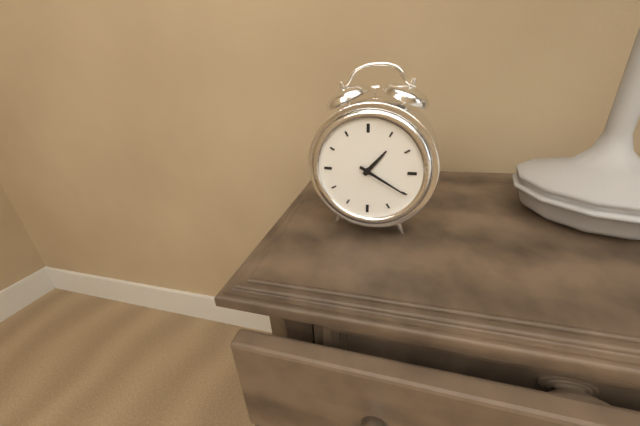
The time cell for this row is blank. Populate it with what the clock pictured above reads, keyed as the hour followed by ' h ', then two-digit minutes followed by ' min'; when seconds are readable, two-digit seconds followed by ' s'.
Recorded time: 1 h 20 min
